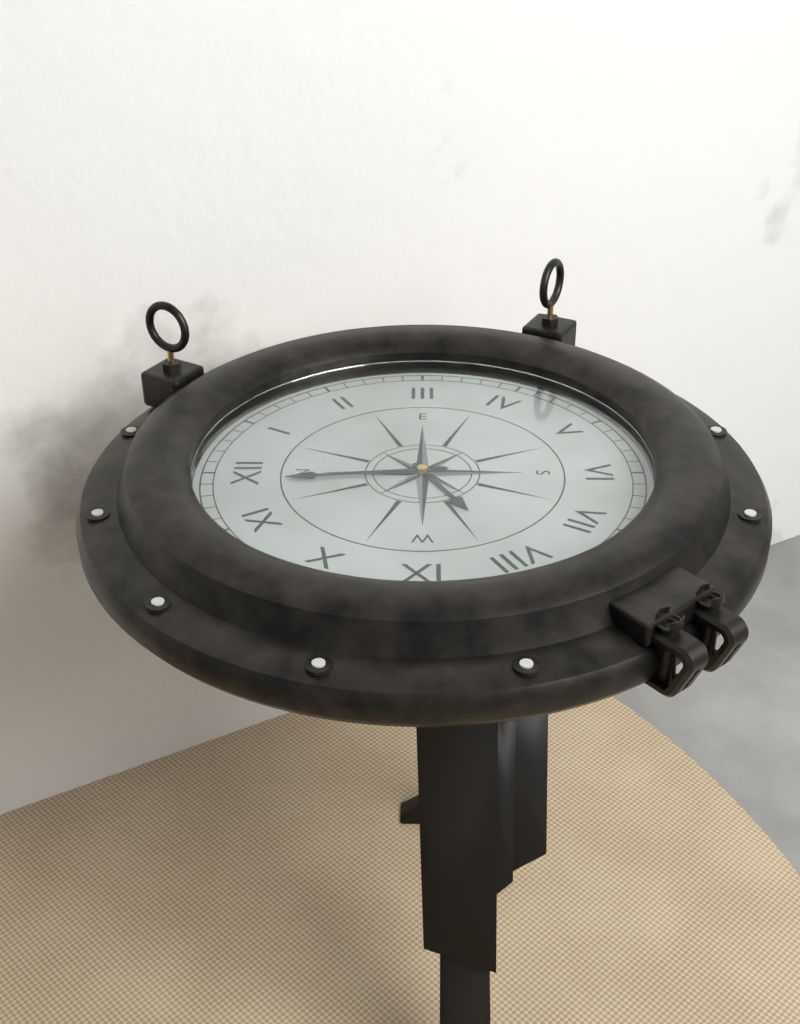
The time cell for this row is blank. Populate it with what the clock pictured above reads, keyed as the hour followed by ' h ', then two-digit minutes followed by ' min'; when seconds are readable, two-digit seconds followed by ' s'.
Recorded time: 7 h 59 min
